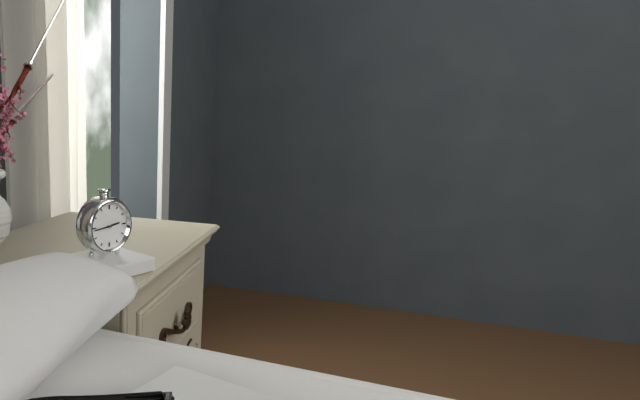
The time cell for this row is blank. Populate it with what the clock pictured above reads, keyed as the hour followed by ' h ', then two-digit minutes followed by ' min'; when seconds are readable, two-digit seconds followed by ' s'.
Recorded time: 2 h 44 min
